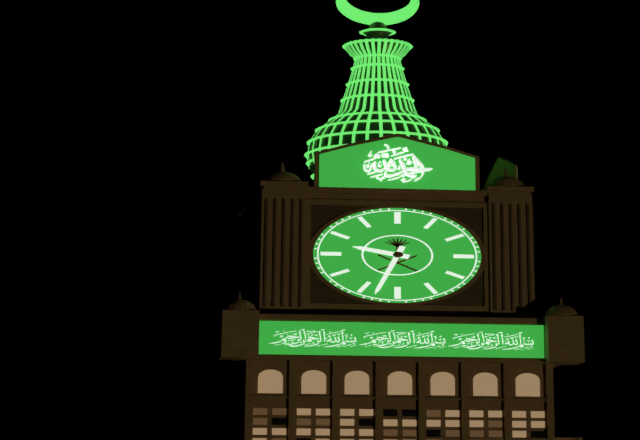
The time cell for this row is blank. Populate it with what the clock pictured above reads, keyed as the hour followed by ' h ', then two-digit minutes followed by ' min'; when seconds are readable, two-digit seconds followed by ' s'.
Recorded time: 9 h 33 min
